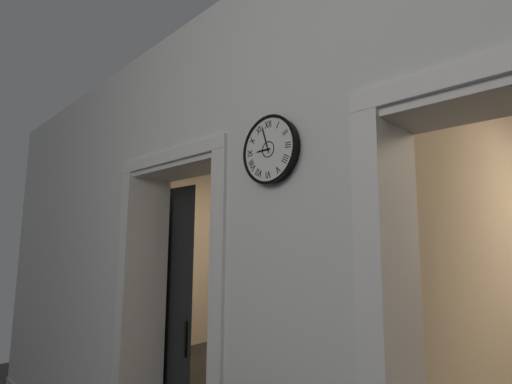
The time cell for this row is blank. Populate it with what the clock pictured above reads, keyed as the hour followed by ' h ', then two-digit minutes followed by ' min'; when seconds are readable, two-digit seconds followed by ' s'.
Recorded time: 8 h 57 min
